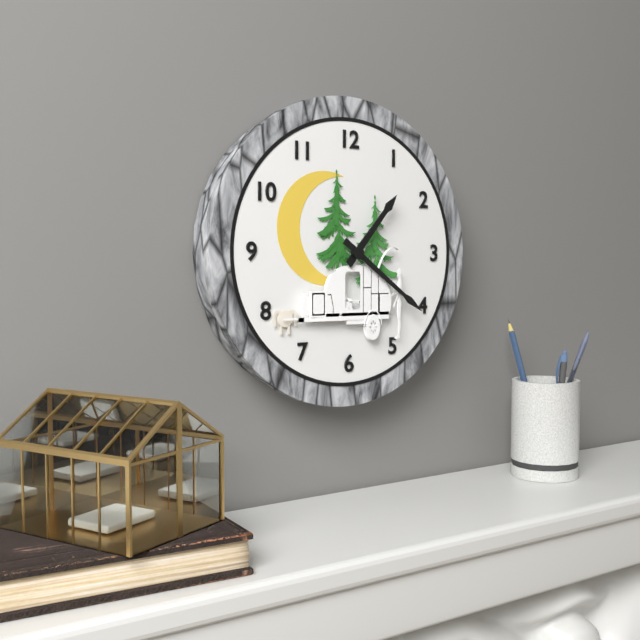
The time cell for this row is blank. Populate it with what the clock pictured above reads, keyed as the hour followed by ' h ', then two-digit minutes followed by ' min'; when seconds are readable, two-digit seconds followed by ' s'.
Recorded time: 1 h 21 min
